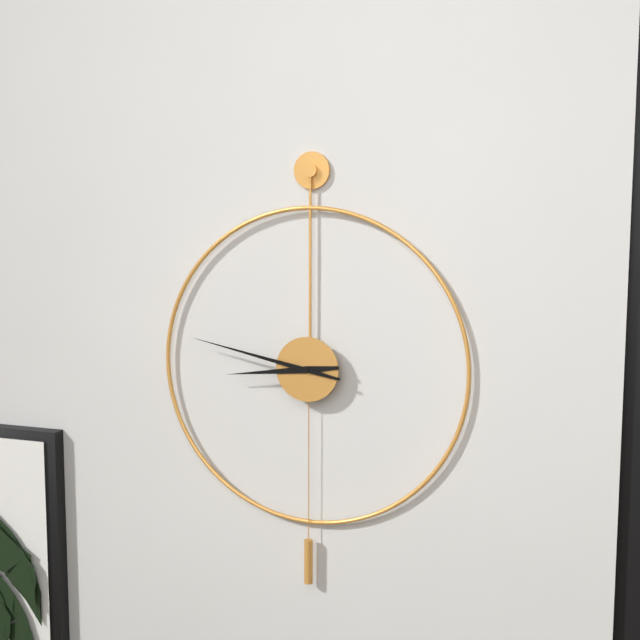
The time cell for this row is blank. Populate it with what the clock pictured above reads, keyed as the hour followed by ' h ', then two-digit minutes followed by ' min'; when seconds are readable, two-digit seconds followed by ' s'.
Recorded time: 8 h 47 min
